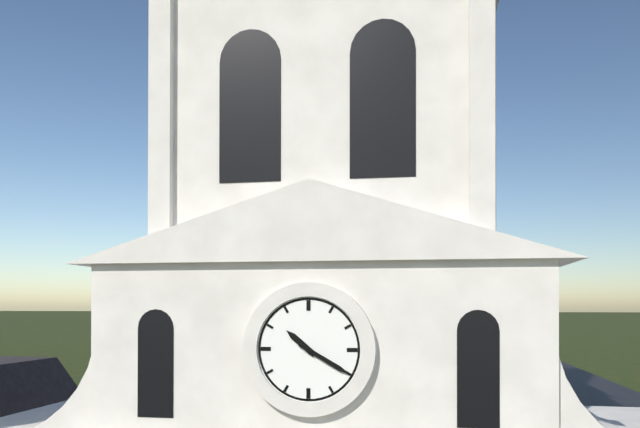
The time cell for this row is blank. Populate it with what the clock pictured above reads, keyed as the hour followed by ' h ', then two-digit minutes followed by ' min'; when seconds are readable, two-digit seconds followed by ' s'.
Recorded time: 10 h 20 min
